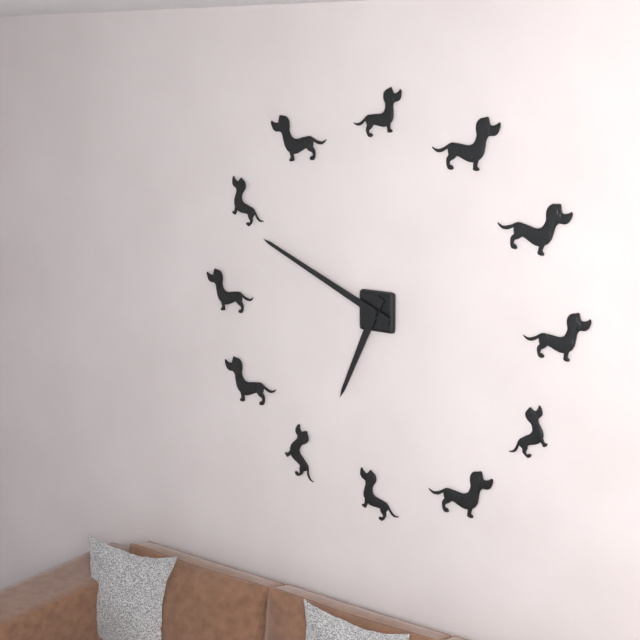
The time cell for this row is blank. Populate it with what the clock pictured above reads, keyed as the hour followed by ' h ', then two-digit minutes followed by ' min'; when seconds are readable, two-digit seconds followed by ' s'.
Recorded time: 6 h 49 min
